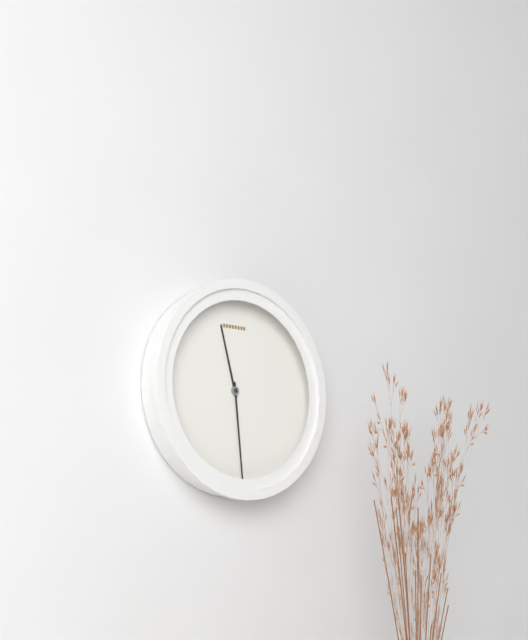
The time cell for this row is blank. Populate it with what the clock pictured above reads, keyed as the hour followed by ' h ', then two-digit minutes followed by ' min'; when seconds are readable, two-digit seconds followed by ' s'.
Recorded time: 11 h 29 min
